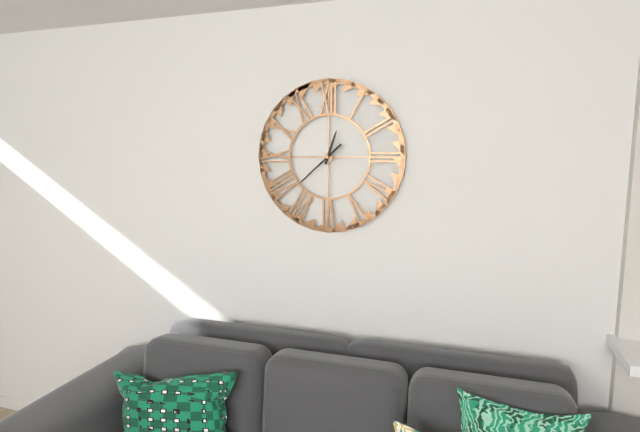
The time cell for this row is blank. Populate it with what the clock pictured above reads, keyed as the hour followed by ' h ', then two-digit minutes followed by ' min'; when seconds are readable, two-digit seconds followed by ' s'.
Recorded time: 12 h 38 min
